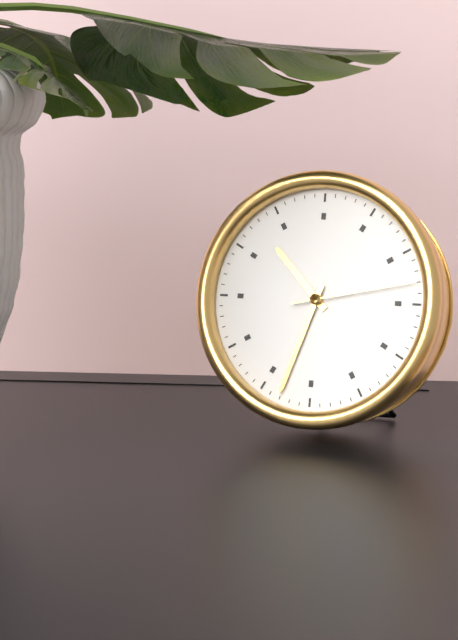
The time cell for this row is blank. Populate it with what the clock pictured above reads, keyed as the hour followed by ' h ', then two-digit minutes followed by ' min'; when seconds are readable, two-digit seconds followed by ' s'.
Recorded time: 10 h 33 min 13 s
